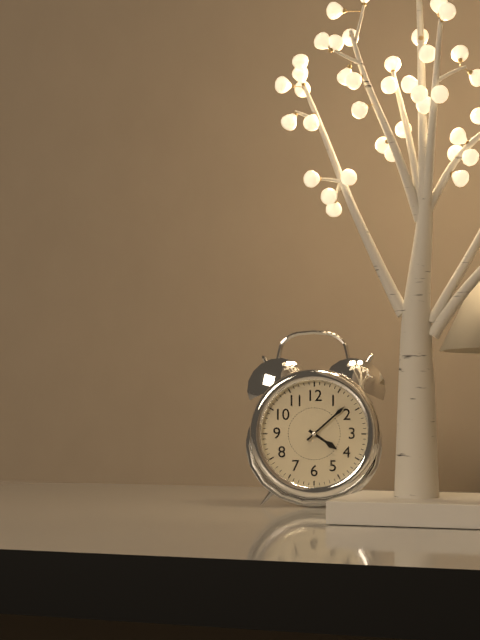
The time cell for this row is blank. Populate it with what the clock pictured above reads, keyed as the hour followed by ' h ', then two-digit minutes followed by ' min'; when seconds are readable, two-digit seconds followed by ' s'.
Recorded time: 4 h 08 min
